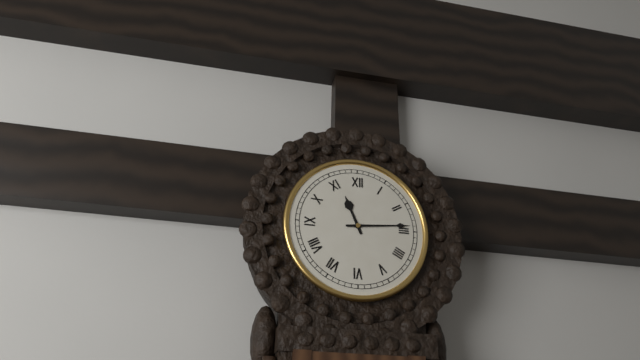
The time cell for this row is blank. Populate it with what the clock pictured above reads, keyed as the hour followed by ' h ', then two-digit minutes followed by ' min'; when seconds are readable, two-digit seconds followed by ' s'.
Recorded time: 11 h 14 min
